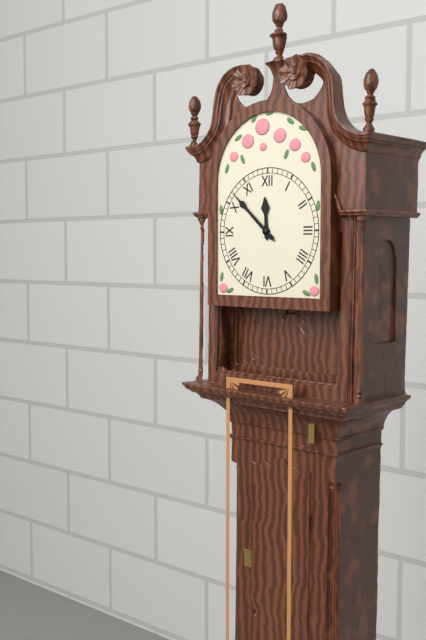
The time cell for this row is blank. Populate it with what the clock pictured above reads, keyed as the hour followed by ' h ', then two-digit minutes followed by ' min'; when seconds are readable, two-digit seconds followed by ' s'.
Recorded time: 11 h 52 min
